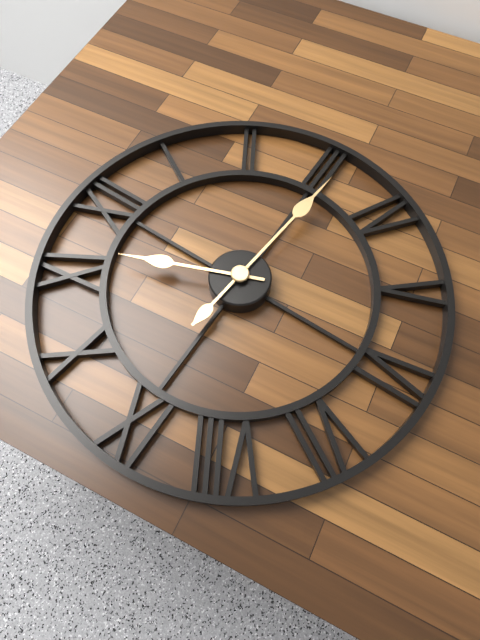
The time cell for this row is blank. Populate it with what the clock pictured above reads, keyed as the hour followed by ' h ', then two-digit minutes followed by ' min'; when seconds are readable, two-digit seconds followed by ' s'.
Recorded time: 11 h 16 min
